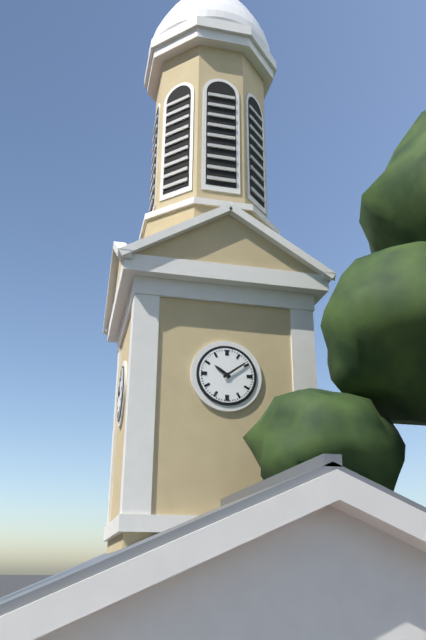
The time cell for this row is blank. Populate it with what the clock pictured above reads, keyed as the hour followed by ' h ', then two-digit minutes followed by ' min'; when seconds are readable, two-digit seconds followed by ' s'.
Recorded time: 10 h 09 min
